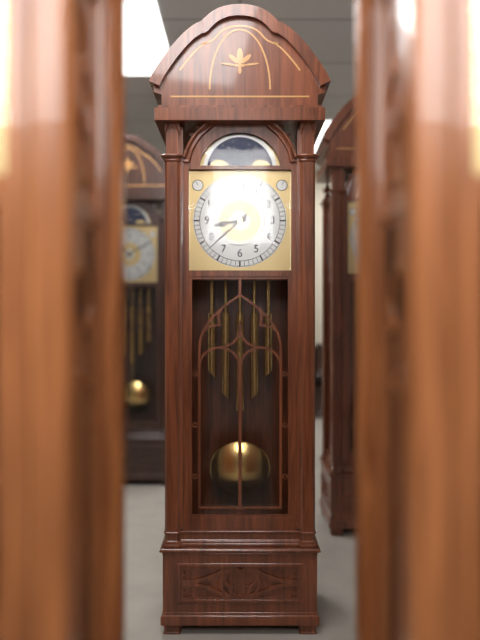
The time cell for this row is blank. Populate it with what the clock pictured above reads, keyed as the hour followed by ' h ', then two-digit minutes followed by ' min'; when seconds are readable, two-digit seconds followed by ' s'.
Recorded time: 8 h 38 min
